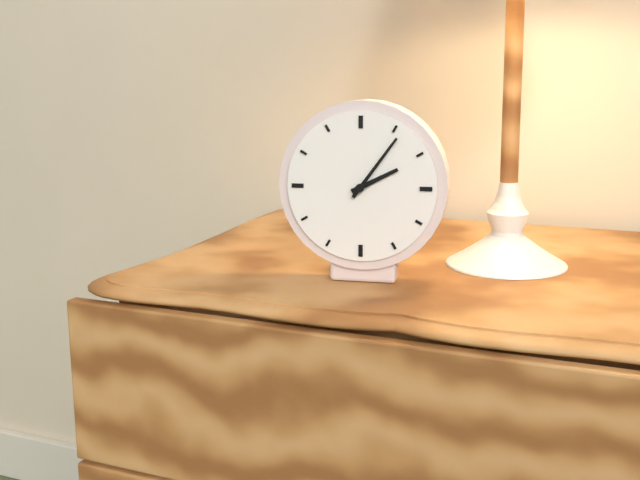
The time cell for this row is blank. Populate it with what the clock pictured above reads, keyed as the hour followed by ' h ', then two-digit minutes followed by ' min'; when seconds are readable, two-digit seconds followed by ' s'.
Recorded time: 2 h 06 min
